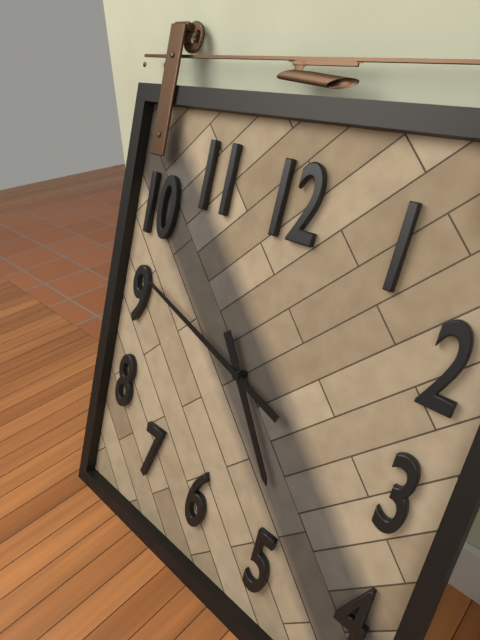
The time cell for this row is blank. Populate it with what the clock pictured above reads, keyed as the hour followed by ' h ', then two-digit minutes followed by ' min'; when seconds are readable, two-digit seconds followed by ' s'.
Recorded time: 4 h 48 min
